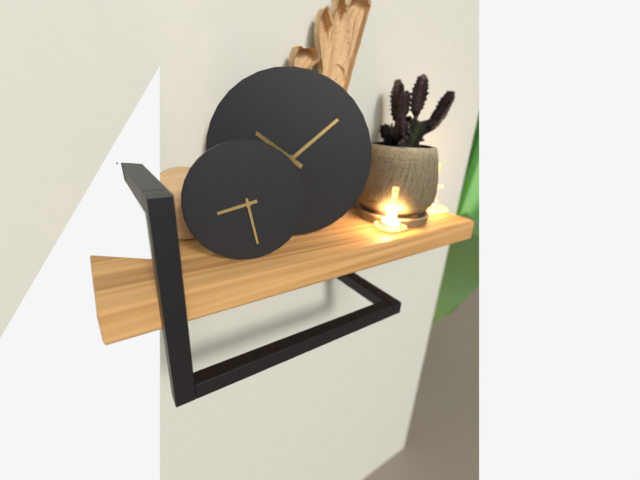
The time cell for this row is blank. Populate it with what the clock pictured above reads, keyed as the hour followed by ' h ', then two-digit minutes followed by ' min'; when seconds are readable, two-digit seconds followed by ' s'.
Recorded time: 8 h 28 min
